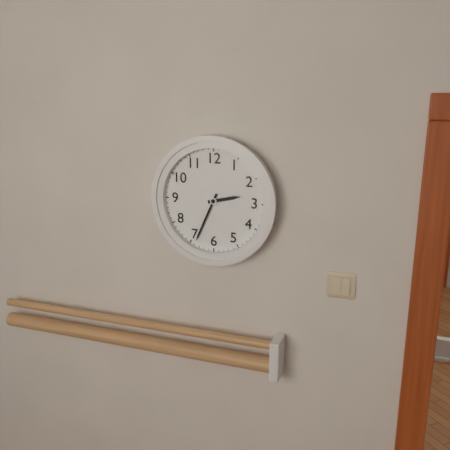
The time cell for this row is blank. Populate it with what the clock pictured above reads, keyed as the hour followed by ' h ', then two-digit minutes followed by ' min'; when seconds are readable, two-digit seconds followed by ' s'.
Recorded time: 2 h 34 min
